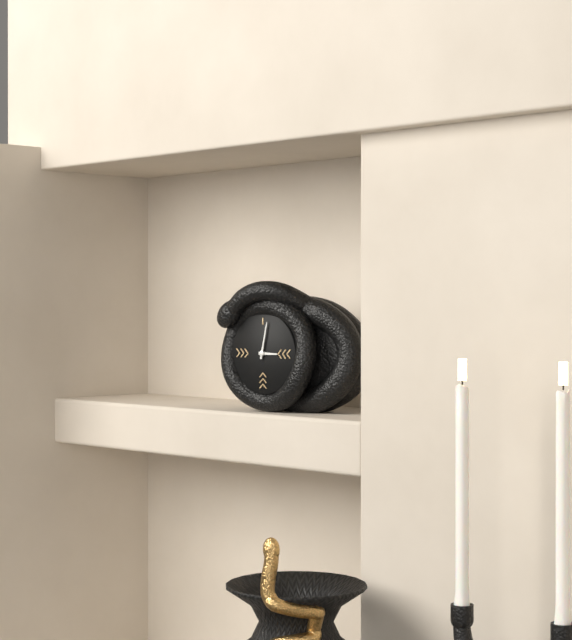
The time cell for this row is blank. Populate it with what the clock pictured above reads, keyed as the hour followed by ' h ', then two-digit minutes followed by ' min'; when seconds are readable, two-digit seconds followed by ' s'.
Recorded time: 3 h 02 min
